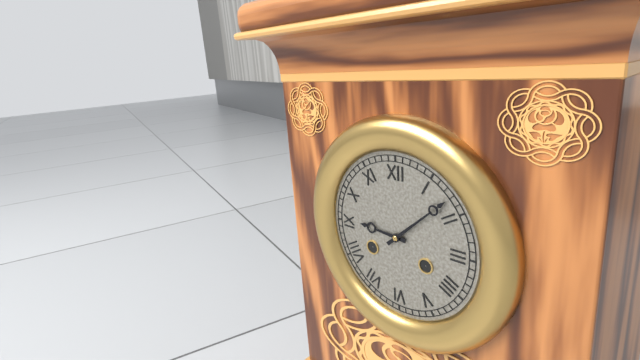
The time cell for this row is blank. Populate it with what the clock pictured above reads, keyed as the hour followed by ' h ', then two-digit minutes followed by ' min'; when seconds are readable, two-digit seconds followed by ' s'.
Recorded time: 9 h 08 min
